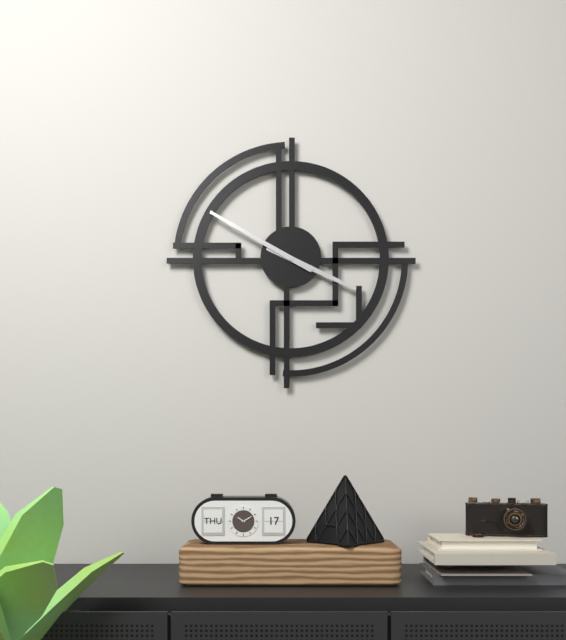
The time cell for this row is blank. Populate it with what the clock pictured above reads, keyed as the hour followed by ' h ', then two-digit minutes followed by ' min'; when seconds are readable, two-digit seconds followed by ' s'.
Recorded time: 3 h 50 min
